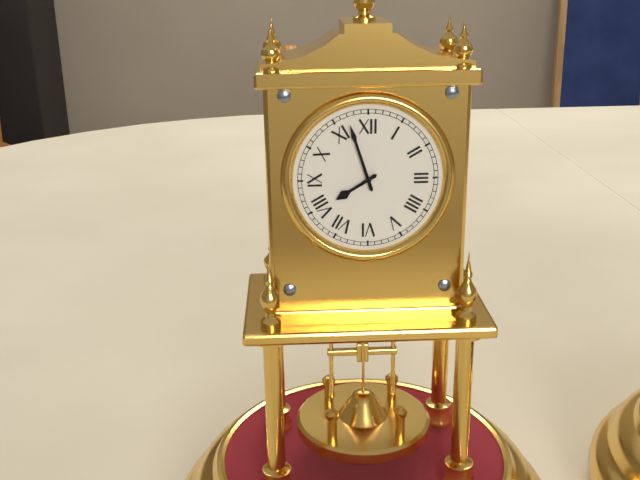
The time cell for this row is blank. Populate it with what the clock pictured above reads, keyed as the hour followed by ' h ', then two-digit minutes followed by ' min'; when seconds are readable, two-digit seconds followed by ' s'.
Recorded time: 7 h 57 min
